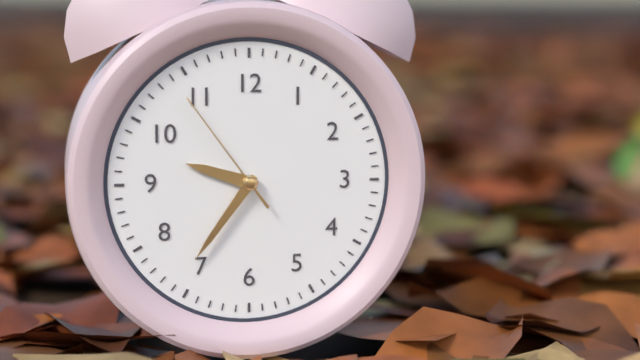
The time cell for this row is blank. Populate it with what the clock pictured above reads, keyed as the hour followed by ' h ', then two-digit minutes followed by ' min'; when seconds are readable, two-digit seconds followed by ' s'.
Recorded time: 9 h 36 min 54 s
